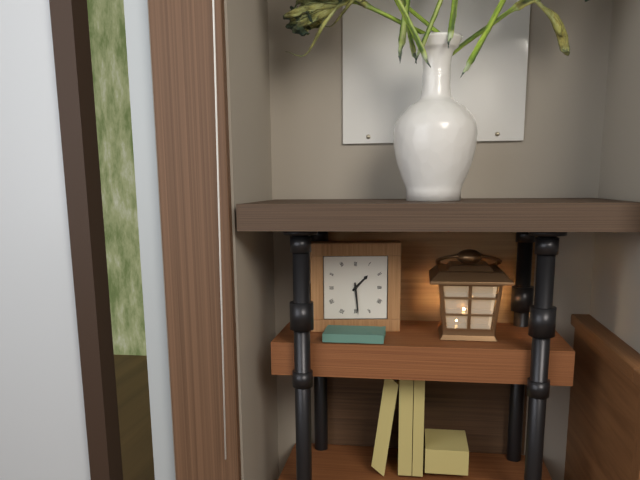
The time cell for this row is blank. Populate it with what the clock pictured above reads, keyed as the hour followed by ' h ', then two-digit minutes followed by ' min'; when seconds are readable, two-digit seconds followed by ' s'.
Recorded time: 1 h 29 min
